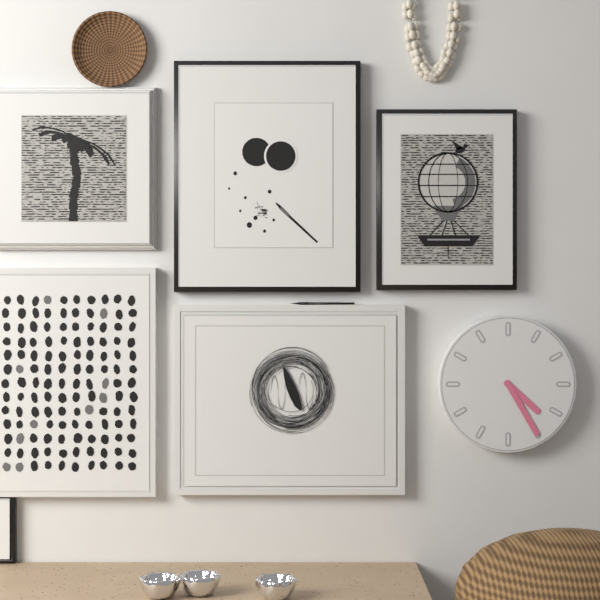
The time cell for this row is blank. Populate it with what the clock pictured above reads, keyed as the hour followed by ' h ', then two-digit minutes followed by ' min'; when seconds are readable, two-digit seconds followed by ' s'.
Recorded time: 4 h 25 min
